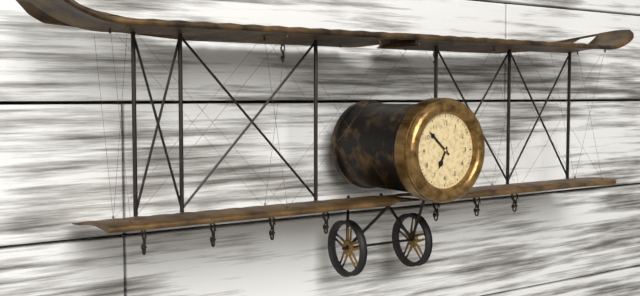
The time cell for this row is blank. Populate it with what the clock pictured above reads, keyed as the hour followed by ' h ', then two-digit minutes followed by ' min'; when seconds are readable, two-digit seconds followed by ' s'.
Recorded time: 6 h 52 min
